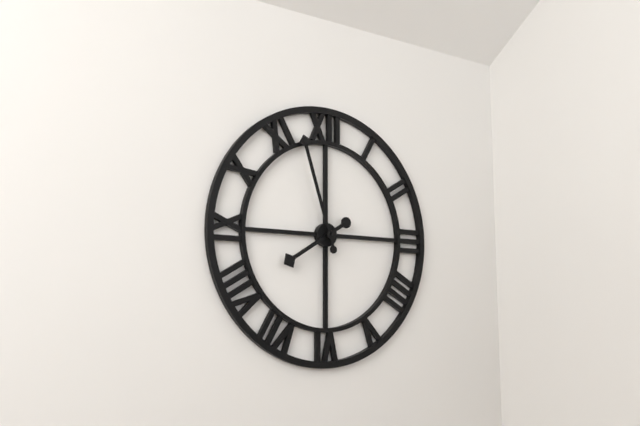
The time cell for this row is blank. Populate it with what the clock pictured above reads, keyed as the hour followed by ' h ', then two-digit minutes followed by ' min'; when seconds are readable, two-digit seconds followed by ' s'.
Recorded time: 7 h 57 min
